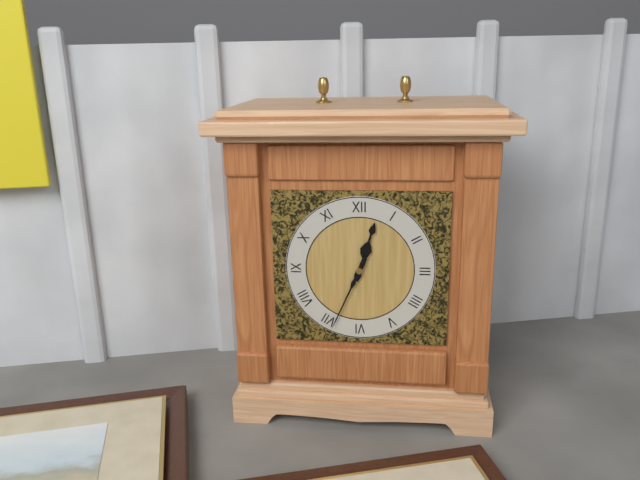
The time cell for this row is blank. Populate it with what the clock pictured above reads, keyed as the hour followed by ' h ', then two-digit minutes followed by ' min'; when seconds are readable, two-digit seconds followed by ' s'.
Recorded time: 12 h 34 min
